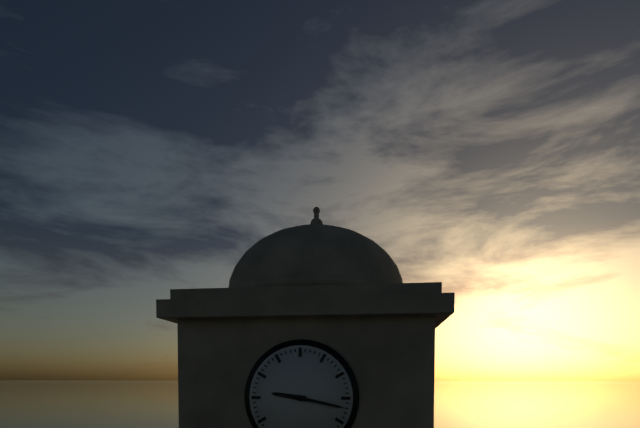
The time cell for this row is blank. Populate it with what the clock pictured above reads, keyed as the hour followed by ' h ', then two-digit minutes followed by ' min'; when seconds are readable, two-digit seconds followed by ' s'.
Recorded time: 9 h 17 min
